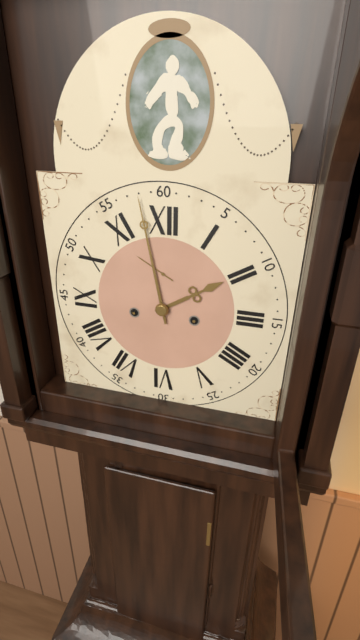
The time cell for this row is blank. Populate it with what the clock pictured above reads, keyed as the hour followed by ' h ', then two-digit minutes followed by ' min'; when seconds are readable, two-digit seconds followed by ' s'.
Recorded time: 1 h 58 min
